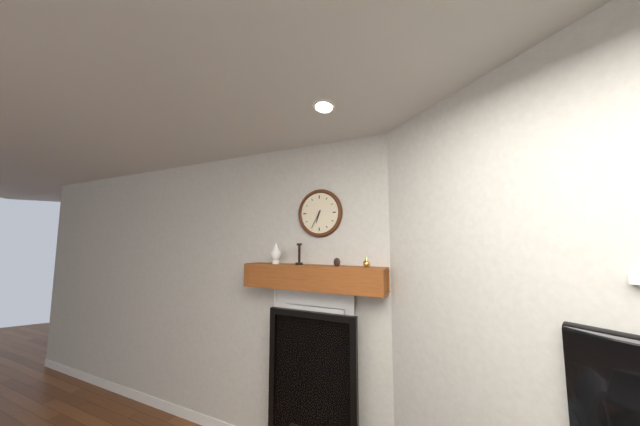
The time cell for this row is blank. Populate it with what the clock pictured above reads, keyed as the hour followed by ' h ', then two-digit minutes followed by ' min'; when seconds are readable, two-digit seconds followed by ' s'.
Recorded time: 6 h 35 min
